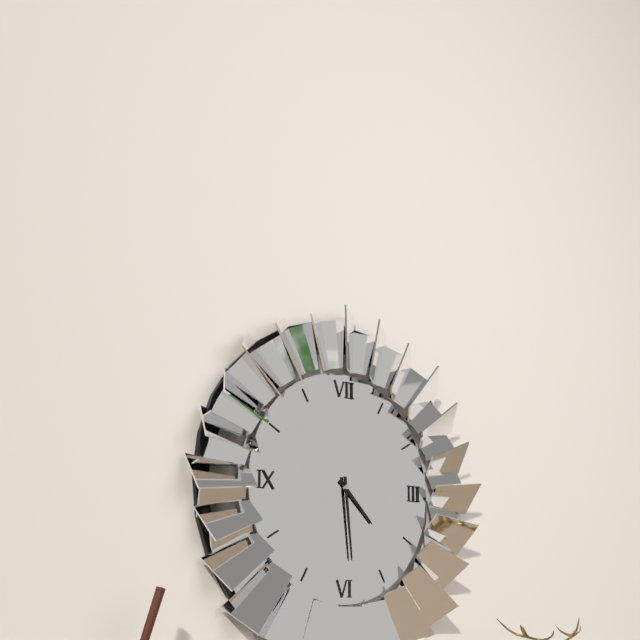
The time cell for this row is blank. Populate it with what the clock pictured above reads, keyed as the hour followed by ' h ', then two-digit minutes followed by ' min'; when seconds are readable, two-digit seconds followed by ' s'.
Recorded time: 4 h 29 min
